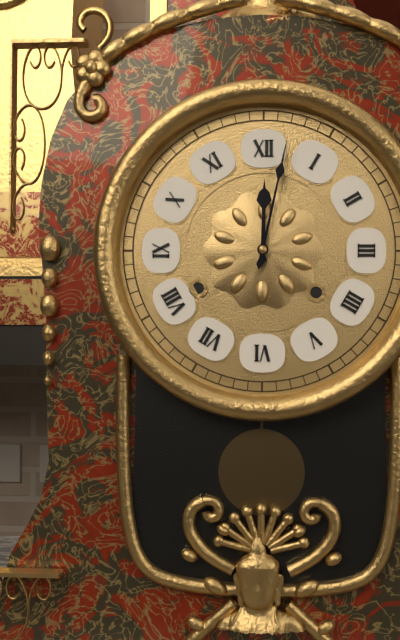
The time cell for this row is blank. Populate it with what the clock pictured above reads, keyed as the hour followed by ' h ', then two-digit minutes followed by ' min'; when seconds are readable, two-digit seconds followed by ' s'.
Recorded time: 12 h 02 min
